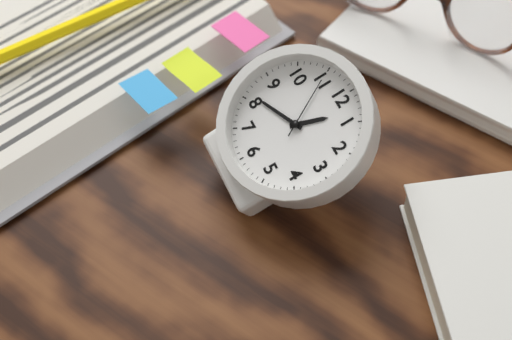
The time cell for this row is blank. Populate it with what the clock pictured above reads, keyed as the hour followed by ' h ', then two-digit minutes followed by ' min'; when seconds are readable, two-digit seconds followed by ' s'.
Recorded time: 12 h 41 min 55 s
